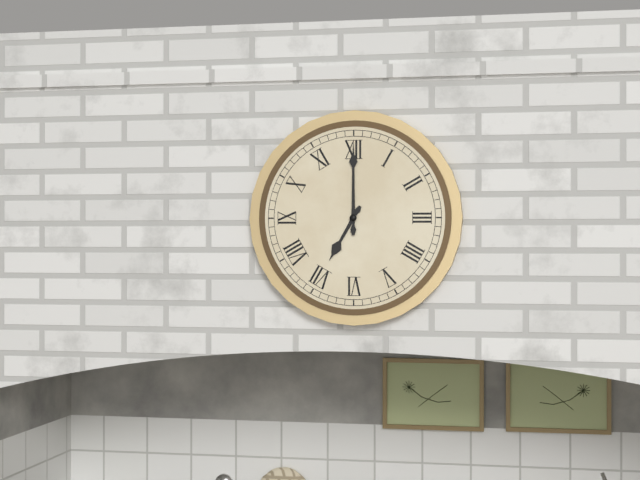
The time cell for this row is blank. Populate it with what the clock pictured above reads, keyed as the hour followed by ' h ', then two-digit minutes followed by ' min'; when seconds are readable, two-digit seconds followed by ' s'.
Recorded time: 7 h 00 min
